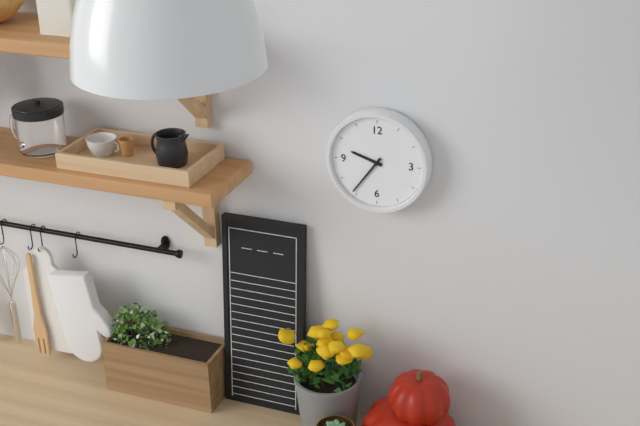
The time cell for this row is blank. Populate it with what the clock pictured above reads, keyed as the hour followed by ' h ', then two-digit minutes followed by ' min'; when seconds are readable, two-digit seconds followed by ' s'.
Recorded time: 9 h 36 min
